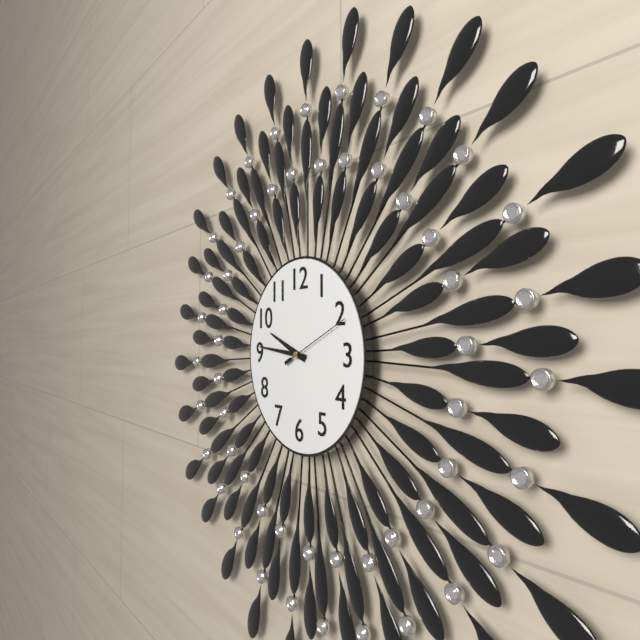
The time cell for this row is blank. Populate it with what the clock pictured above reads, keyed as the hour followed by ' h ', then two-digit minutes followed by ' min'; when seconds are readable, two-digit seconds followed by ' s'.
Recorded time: 9 h 46 min 11 s
